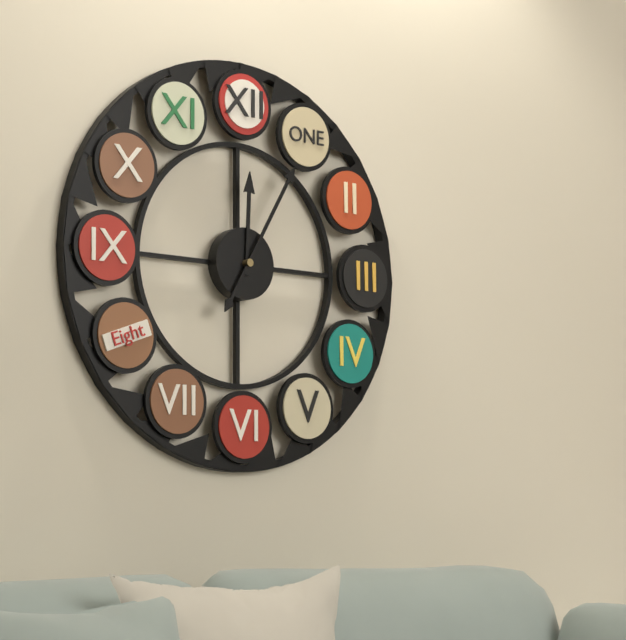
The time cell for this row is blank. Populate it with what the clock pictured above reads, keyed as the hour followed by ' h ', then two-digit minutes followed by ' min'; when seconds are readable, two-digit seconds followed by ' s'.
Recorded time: 12 h 05 min
